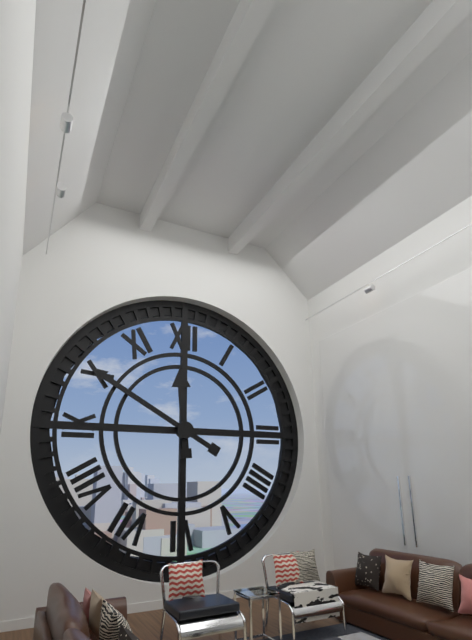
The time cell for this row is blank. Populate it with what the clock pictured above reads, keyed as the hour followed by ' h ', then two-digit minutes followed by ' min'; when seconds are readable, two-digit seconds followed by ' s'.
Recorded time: 11 h 50 min
